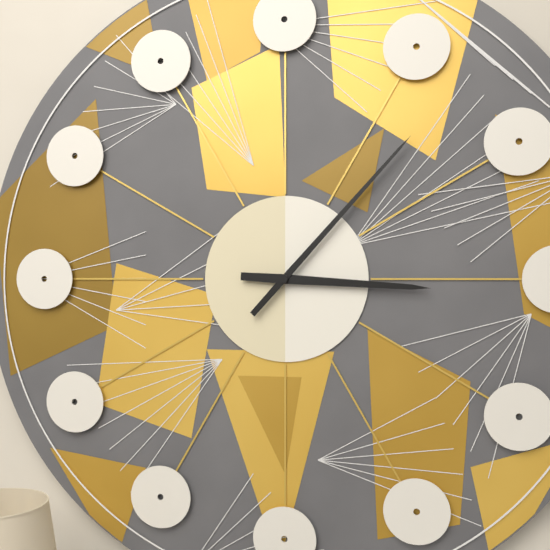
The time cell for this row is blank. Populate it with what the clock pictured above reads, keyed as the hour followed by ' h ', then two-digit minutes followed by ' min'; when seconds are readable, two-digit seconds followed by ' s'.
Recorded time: 3 h 07 min
